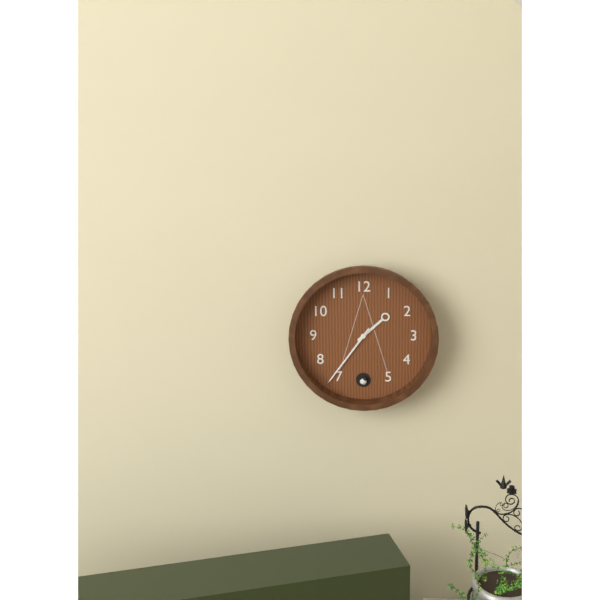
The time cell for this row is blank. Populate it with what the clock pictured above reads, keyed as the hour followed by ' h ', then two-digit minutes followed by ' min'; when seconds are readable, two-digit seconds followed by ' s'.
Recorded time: 1 h 36 min
